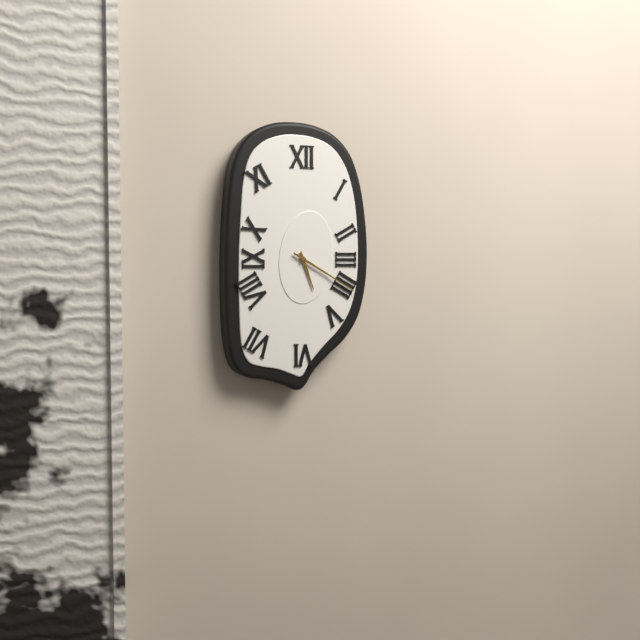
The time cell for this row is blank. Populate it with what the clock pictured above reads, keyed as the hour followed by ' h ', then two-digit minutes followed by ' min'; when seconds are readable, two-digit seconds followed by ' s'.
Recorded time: 5 h 20 min
